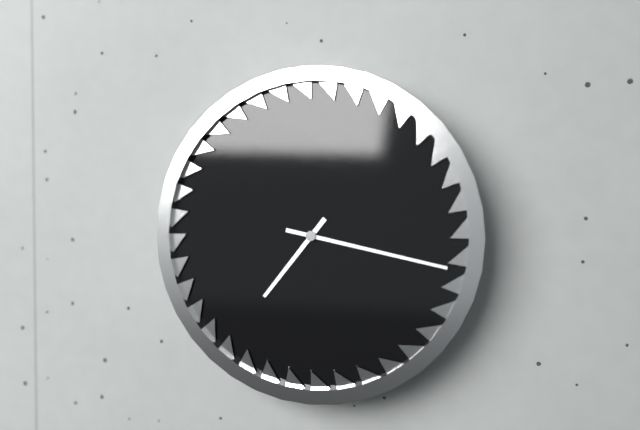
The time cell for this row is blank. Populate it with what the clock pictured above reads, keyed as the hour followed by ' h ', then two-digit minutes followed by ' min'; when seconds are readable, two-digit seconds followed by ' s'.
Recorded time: 7 h 17 min
